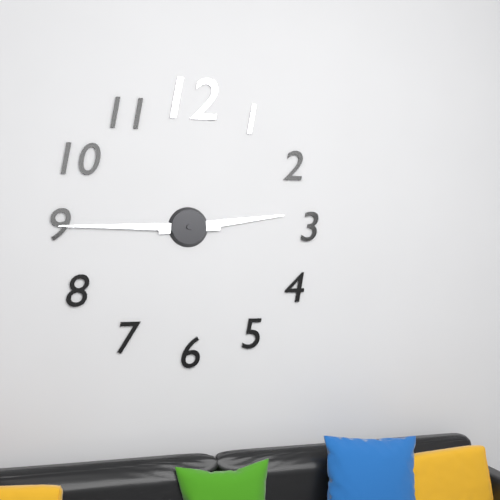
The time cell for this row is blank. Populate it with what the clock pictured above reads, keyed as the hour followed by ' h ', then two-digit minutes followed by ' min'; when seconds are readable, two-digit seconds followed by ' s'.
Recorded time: 2 h 45 min
